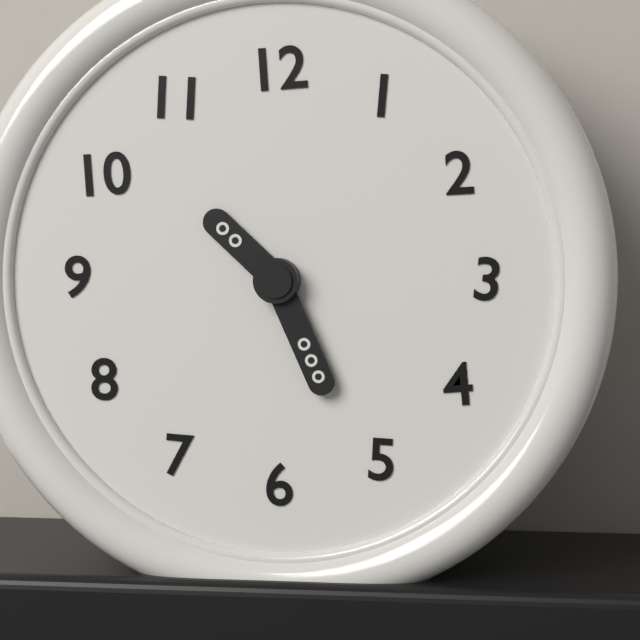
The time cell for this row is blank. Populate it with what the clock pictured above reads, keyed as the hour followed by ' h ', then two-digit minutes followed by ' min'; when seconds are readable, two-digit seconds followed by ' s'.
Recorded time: 10 h 26 min
